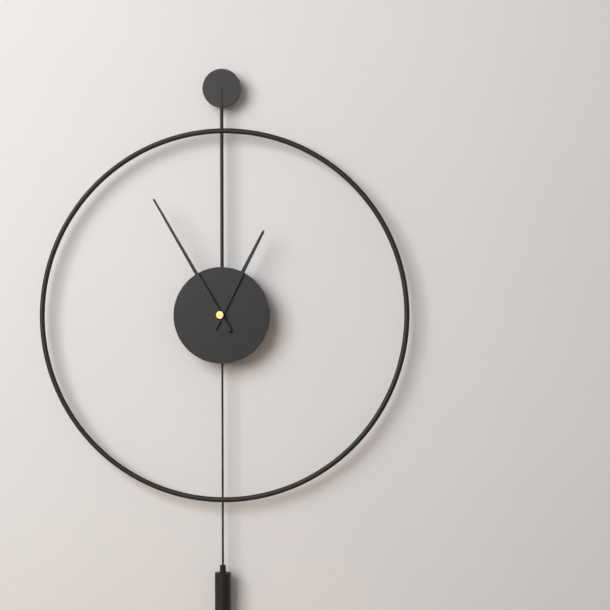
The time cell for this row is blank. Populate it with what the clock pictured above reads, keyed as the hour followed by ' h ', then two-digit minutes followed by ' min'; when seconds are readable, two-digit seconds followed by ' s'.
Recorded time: 12 h 55 min
